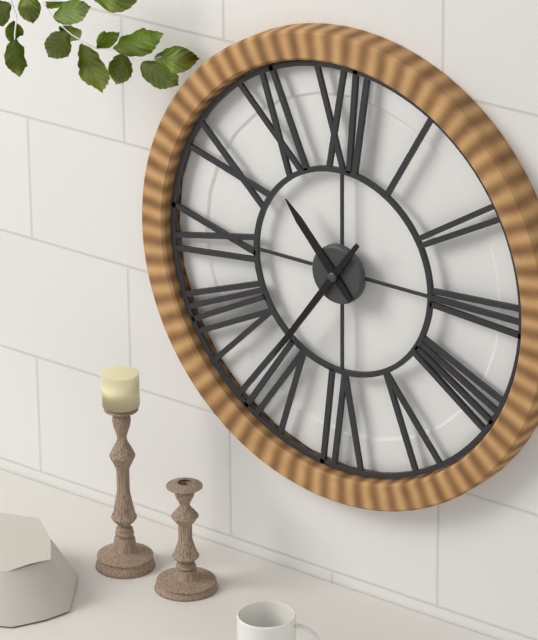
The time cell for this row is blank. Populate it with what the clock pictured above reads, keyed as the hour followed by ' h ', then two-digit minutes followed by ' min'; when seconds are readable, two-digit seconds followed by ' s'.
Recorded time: 10 h 36 min
